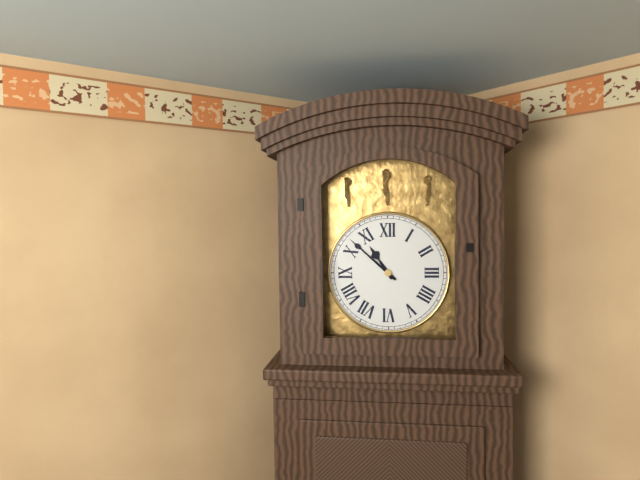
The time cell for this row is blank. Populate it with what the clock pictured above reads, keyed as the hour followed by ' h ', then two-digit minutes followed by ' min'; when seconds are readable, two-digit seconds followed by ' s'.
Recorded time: 10 h 52 min
